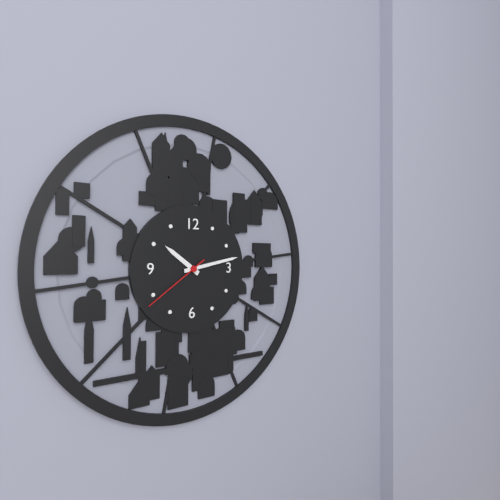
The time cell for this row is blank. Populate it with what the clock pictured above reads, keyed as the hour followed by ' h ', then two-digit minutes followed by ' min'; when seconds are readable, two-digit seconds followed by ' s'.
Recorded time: 10 h 13 min 39 s
